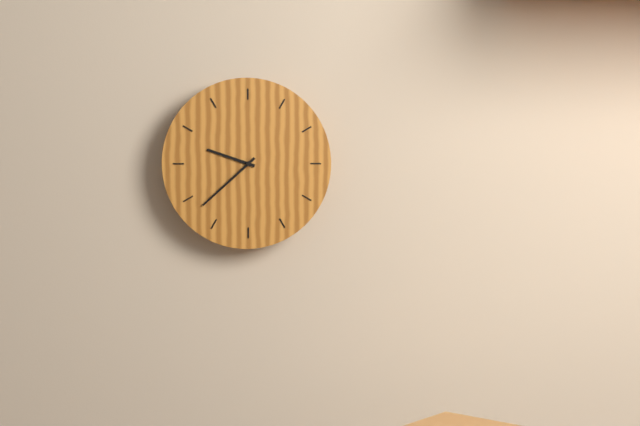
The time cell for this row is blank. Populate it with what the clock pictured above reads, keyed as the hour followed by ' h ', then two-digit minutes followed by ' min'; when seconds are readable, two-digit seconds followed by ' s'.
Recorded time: 9 h 38 min
